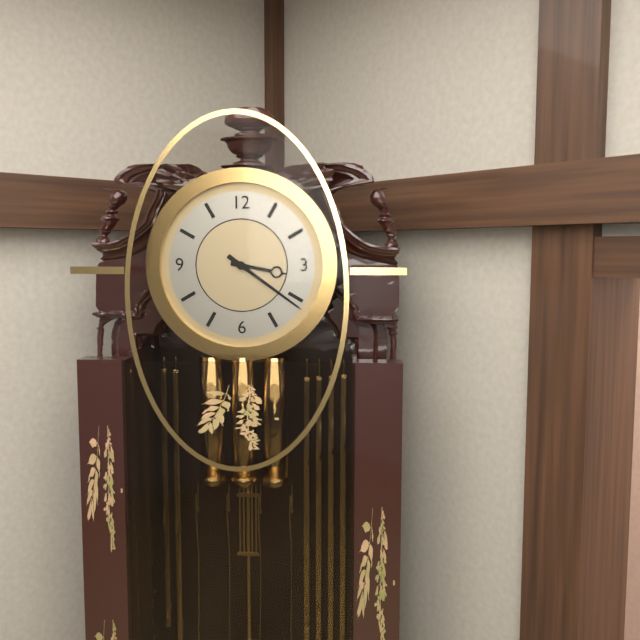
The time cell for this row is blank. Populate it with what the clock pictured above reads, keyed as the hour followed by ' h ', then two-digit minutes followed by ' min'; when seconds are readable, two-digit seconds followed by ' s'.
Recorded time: 3 h 21 min
